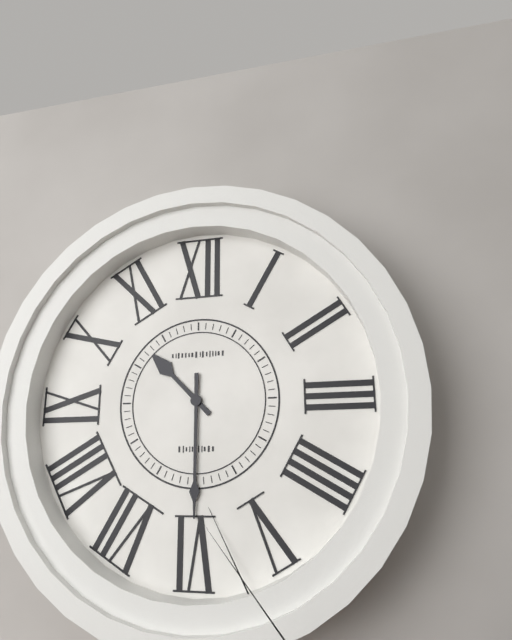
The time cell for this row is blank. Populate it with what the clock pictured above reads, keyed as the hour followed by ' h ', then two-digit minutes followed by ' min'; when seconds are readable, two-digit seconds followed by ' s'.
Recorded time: 10 h 30 min
